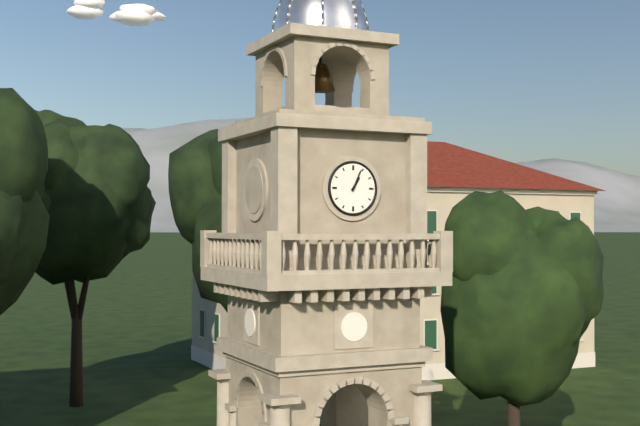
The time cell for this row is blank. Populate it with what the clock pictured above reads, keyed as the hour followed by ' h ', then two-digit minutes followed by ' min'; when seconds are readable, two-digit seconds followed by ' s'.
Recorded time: 1 h 04 min
